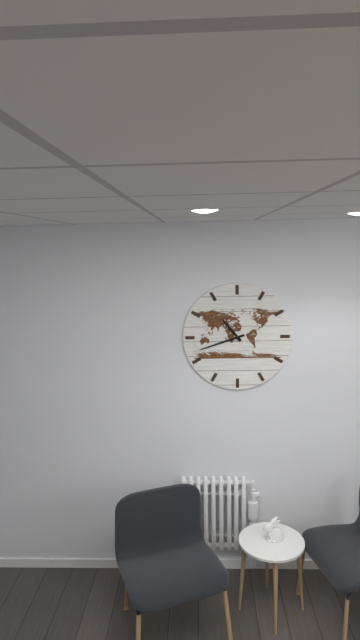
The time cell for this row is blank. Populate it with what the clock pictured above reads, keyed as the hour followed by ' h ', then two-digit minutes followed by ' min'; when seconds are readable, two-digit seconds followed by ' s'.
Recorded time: 10 h 42 min
